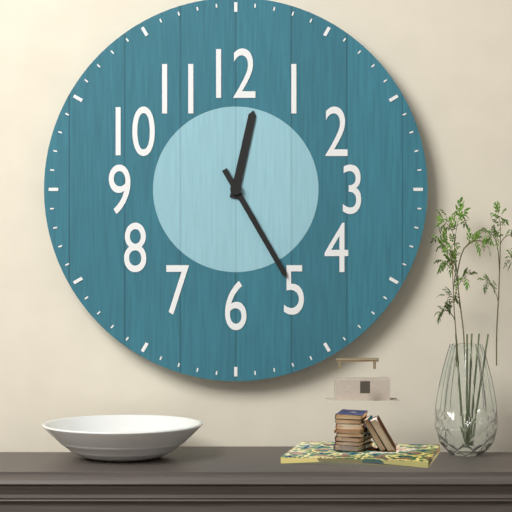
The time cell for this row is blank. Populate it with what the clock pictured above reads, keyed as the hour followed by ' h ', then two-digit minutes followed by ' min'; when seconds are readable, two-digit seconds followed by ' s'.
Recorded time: 12 h 25 min
